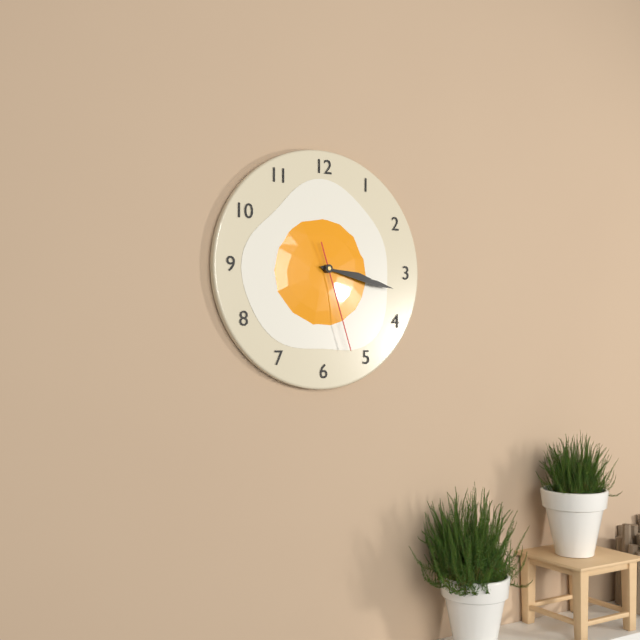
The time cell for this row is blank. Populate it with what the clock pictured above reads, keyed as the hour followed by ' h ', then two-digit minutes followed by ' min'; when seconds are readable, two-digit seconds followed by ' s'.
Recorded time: 3 h 17 min 27 s
